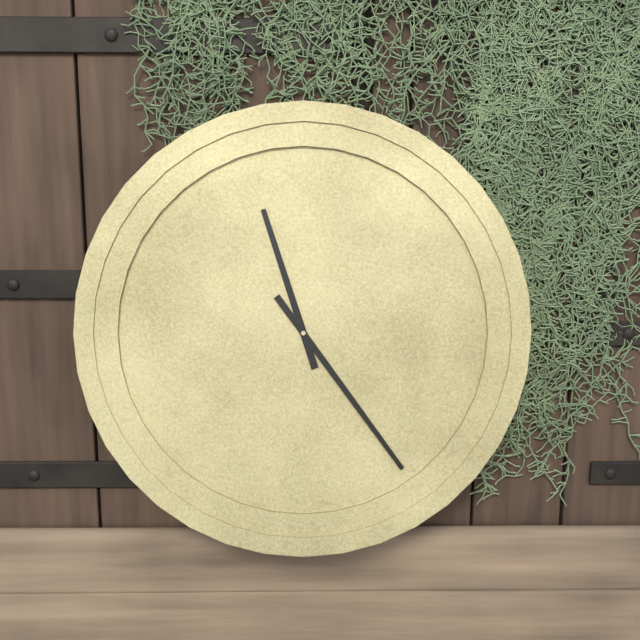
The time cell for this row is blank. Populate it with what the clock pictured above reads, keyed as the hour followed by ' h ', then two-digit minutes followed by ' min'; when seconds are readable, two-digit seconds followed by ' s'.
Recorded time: 11 h 24 min
